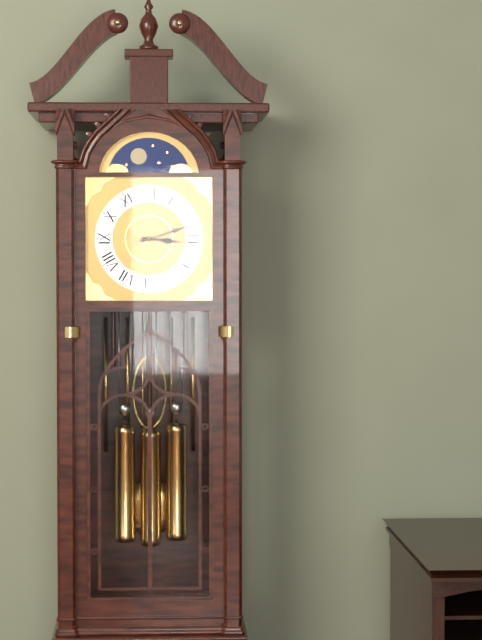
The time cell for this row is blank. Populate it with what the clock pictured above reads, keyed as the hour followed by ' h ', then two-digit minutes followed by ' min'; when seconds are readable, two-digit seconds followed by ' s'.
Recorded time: 3 h 12 min
